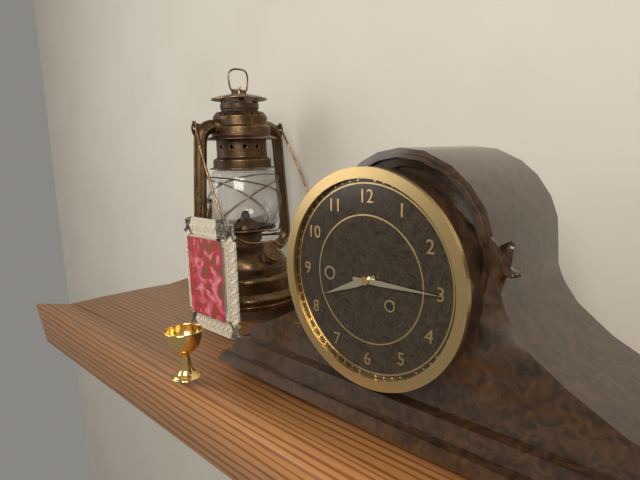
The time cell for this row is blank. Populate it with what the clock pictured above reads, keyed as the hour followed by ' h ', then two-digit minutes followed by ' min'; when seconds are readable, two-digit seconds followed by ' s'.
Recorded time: 8 h 15 min
